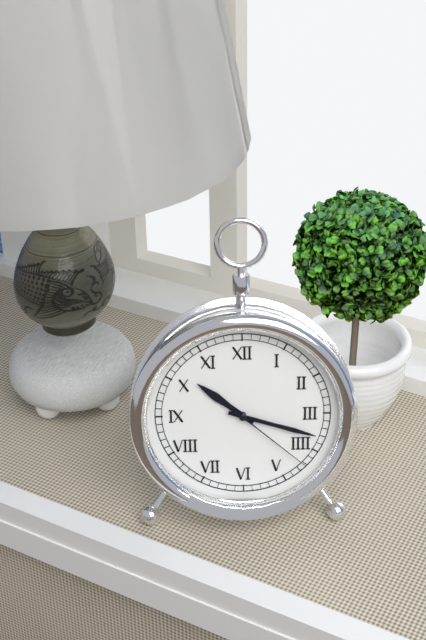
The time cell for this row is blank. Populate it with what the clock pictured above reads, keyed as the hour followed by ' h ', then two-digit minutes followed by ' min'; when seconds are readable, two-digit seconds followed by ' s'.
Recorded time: 10 h 18 min 22 s
